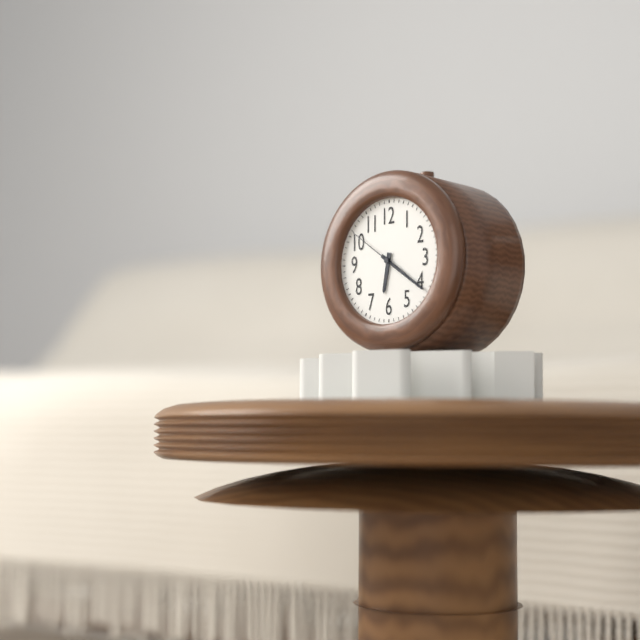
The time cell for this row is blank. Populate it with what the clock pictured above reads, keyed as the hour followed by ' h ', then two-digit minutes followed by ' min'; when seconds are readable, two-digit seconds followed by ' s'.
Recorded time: 6 h 21 min 51 s
